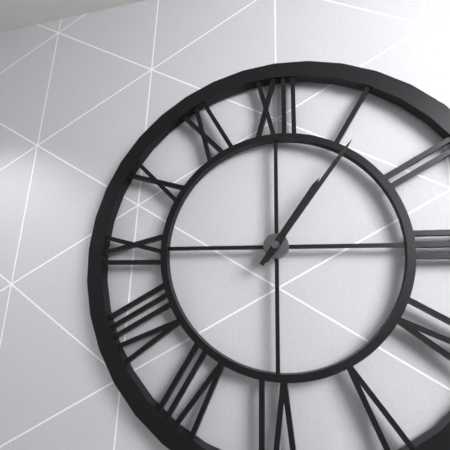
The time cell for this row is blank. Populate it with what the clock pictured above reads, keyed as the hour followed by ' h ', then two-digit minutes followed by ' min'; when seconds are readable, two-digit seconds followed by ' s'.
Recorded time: 1 h 06 min
